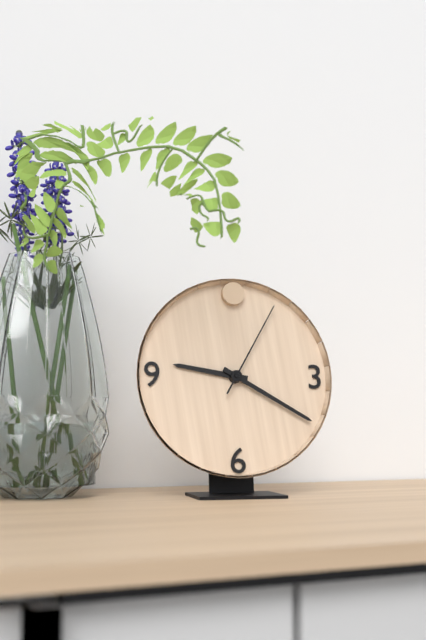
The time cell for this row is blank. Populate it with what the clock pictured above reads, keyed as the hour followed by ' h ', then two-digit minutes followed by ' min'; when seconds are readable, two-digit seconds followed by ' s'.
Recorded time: 9 h 20 min 05 s
